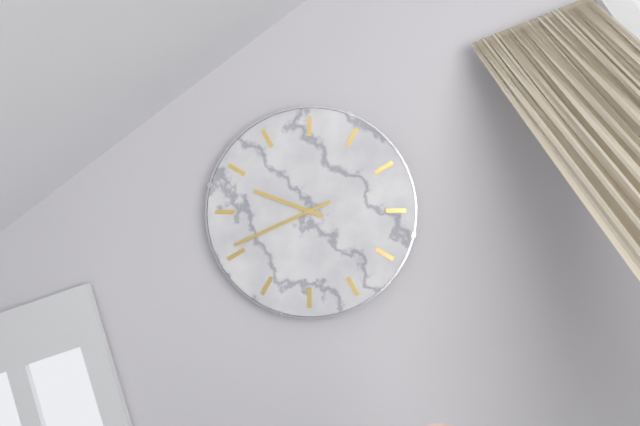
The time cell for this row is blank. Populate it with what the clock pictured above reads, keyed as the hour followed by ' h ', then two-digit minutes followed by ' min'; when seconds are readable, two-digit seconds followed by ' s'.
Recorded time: 9 h 41 min
